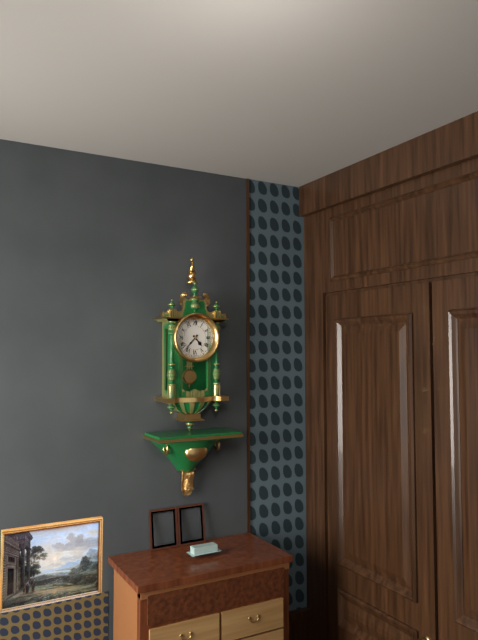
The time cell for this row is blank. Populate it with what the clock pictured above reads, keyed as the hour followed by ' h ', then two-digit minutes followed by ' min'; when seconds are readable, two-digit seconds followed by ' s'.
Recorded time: 4 h 37 min
